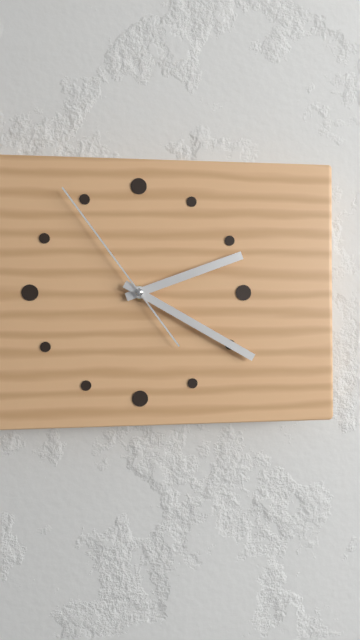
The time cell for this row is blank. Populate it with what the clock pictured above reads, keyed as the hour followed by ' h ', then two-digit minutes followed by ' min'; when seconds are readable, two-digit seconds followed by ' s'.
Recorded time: 2 h 20 min 54 s
